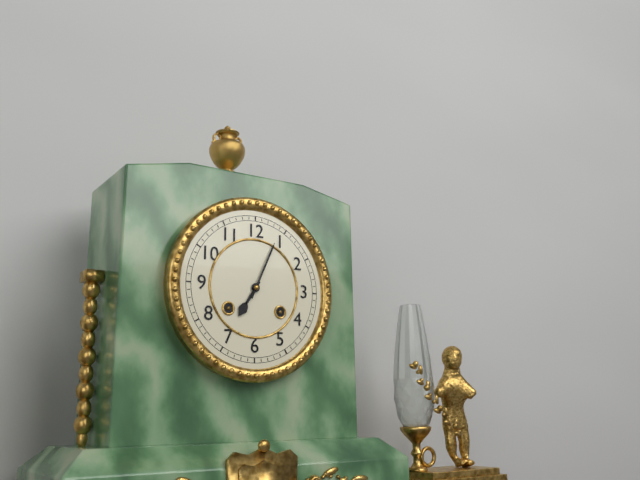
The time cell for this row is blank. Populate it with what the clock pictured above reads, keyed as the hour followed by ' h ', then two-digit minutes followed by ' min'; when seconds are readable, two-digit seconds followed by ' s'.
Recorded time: 7 h 04 min
